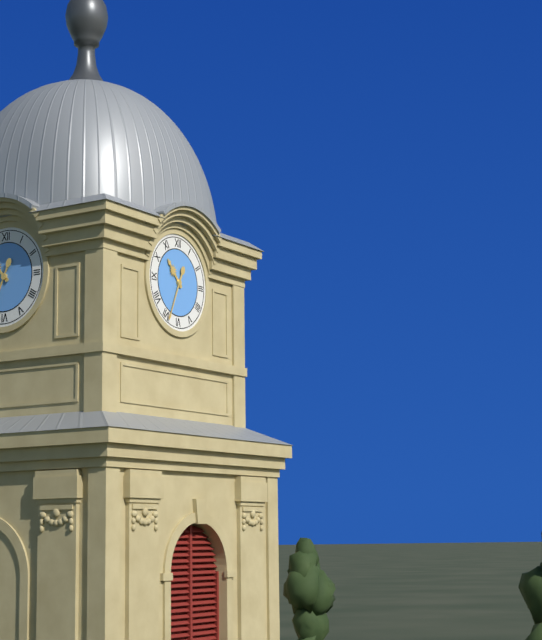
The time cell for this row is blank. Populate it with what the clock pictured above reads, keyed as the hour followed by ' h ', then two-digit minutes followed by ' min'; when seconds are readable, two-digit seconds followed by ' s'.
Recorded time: 10 h 34 min
